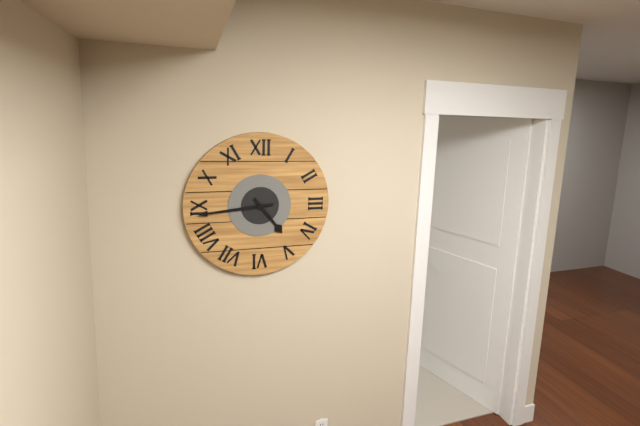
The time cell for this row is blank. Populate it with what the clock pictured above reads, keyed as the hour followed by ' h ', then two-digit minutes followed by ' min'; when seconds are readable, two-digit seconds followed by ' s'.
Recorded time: 4 h 44 min
